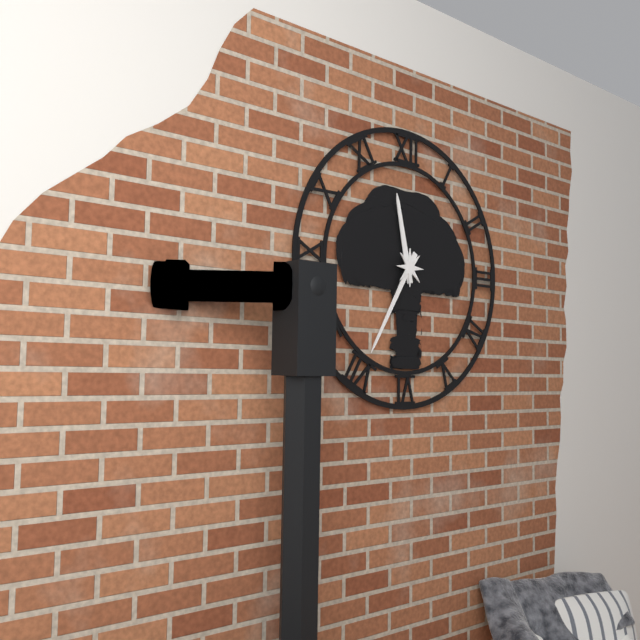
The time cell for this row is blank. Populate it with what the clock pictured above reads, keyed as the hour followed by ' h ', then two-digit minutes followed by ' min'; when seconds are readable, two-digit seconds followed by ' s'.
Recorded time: 11 h 35 min
